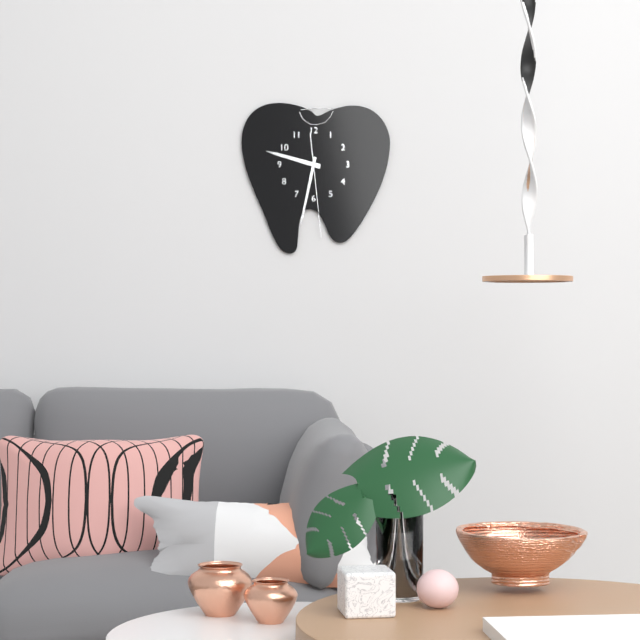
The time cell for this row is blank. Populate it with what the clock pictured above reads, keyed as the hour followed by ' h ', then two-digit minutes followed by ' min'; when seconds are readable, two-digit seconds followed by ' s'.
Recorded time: 9 h 32 min 29 s
